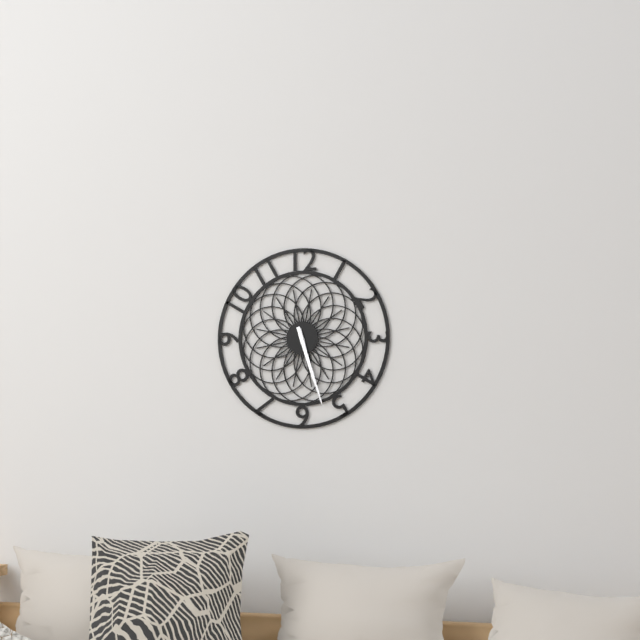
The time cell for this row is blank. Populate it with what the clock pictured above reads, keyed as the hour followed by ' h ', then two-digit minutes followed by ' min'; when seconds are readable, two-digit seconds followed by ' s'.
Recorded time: 5 h 27 min
